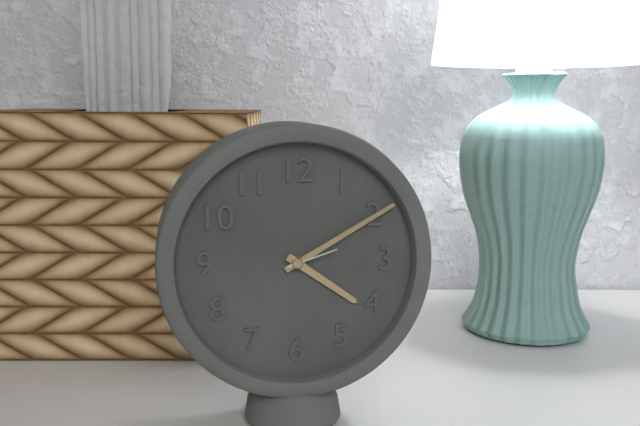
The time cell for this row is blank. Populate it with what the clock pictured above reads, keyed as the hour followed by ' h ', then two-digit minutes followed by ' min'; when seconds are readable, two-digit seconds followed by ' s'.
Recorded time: 4 h 10 min 12 s
